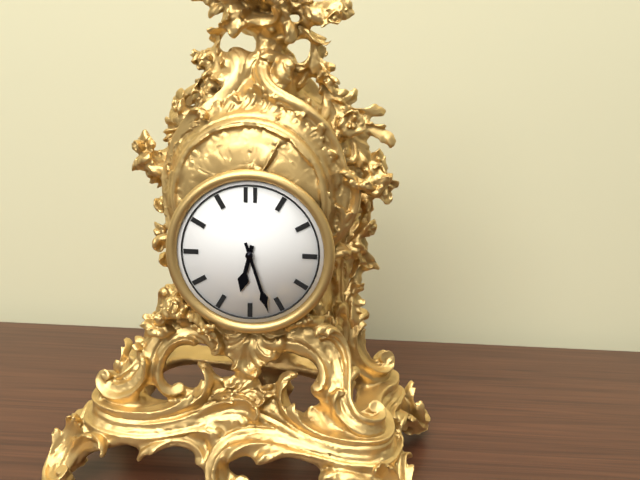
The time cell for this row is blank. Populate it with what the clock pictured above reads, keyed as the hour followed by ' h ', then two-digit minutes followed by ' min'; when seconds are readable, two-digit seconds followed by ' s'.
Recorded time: 6 h 27 min
